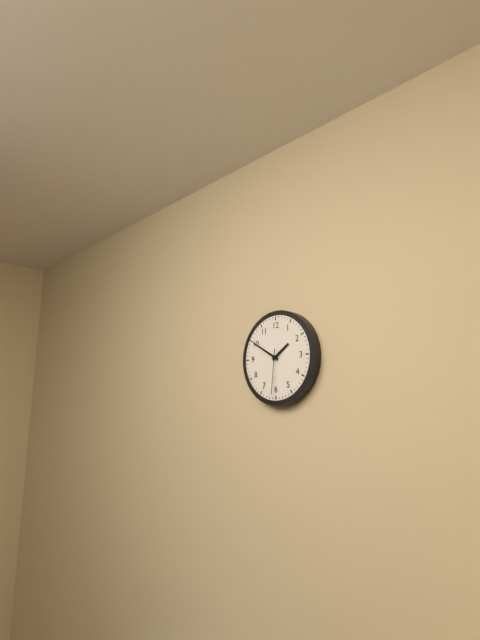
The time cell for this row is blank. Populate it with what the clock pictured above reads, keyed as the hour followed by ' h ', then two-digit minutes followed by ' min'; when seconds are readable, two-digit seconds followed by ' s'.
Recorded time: 1 h 50 min
